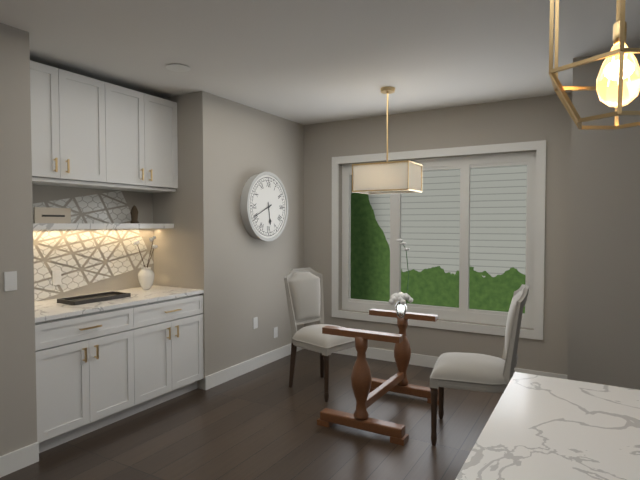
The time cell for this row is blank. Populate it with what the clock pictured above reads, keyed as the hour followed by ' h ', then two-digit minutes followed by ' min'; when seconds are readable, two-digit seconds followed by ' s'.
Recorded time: 5 h 41 min
